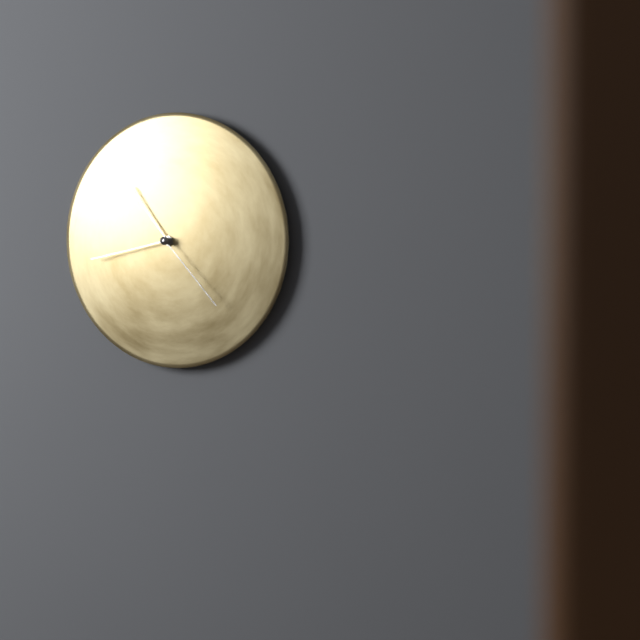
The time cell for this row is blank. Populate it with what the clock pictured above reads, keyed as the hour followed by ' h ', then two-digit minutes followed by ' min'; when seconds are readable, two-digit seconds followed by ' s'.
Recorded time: 10 h 43 min 23 s
